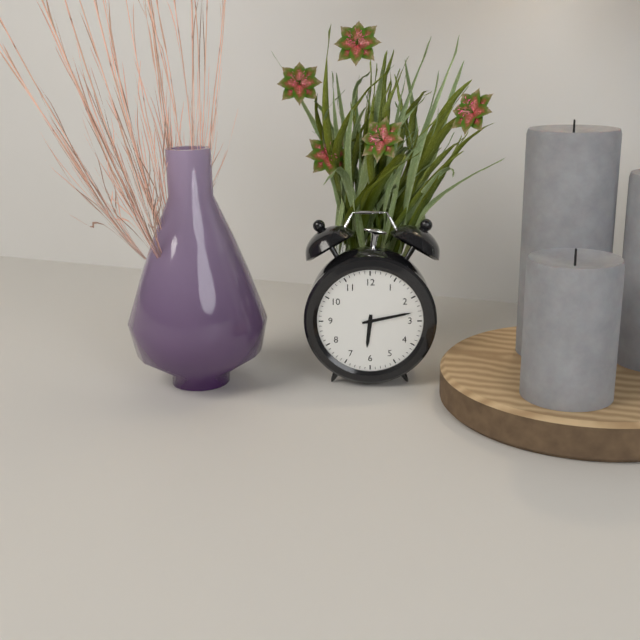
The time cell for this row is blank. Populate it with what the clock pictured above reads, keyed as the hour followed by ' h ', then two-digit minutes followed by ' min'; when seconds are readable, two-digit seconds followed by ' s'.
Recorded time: 6 h 13 min
